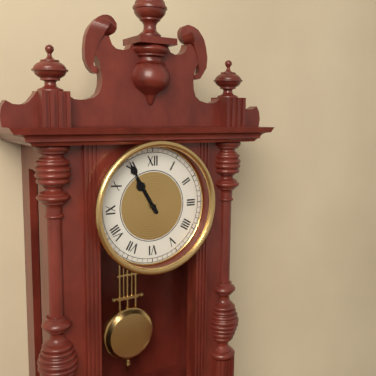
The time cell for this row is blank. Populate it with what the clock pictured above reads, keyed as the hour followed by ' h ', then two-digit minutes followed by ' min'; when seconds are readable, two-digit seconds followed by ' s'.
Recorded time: 10 h 55 min
